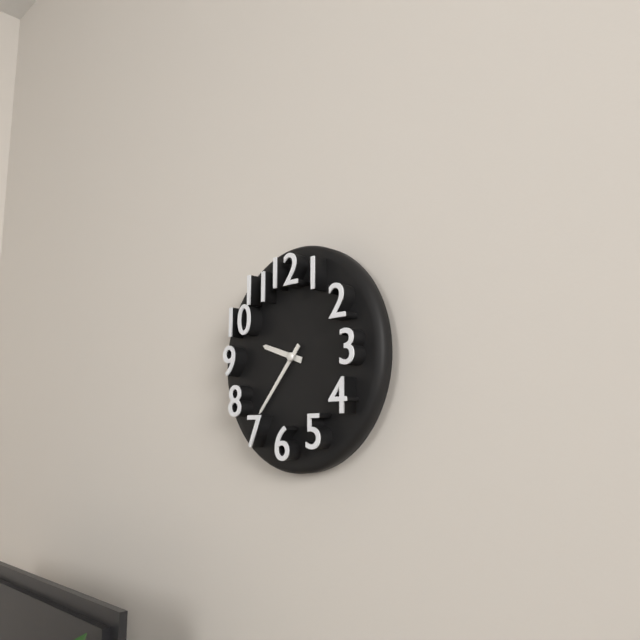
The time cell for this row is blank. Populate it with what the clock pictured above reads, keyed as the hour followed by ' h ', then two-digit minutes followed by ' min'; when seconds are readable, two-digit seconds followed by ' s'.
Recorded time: 9 h 37 min
